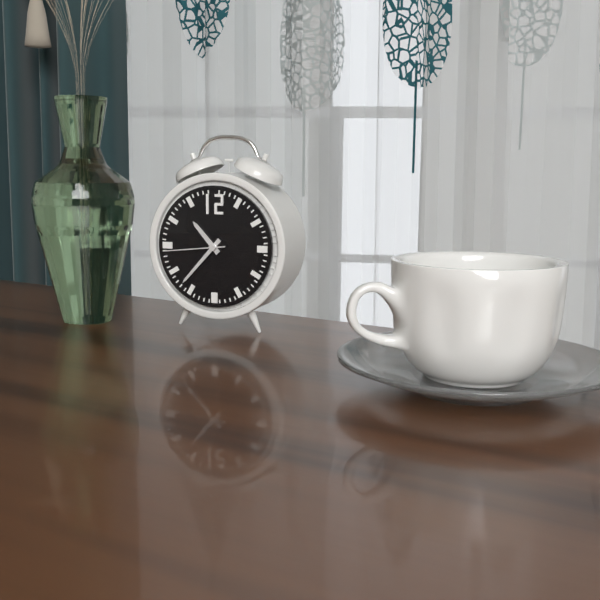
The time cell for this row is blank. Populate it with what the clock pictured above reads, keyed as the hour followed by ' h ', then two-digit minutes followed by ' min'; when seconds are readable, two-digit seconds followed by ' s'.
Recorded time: 10 h 37 min 44 s
